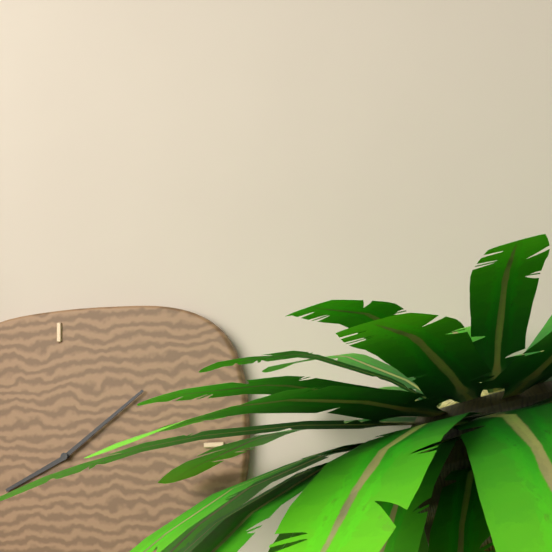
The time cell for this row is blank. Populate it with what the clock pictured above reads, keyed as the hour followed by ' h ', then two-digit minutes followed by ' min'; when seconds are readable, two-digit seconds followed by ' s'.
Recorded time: 8 h 09 min
